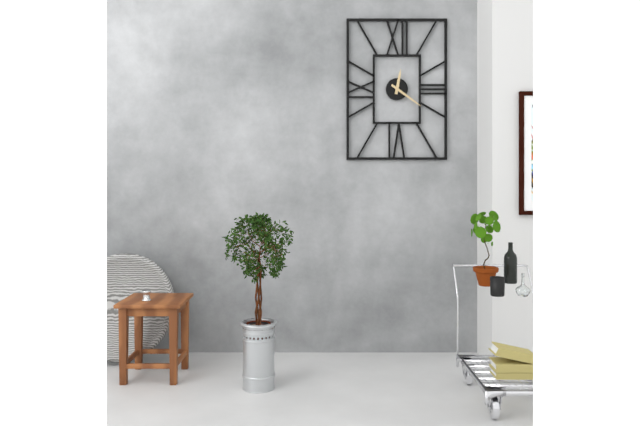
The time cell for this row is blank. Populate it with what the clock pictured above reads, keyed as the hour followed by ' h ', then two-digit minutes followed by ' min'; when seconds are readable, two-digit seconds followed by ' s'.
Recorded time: 12 h 21 min
